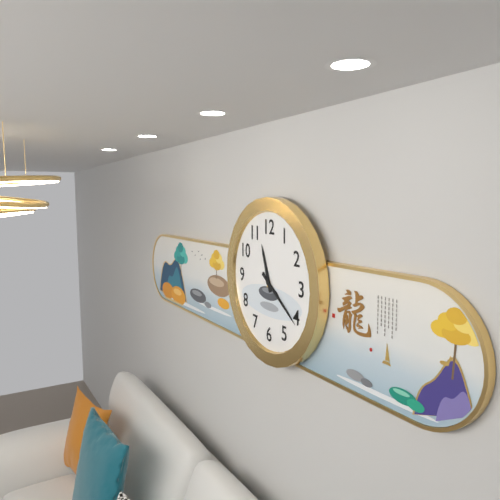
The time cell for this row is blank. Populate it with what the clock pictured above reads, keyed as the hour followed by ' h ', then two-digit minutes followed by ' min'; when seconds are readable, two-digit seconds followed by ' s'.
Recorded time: 11 h 21 min
